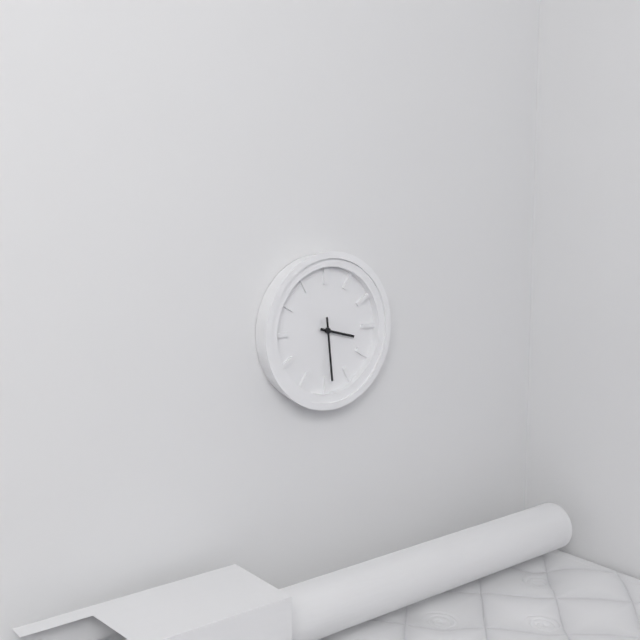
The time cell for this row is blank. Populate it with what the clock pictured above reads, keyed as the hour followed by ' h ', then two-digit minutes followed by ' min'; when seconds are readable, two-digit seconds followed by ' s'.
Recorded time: 3 h 29 min
